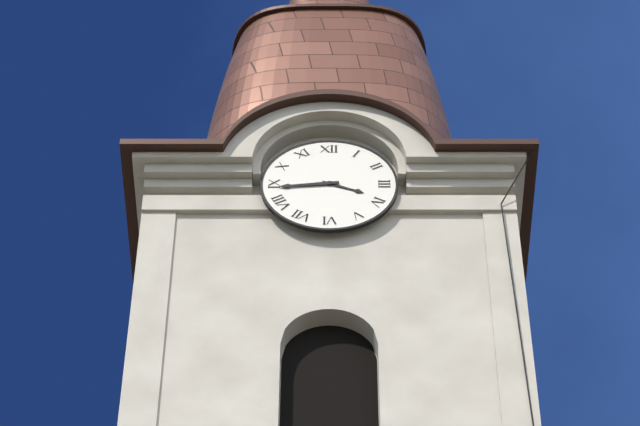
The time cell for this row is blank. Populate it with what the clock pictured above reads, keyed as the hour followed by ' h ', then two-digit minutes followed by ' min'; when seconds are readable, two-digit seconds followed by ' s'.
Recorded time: 3 h 44 min
